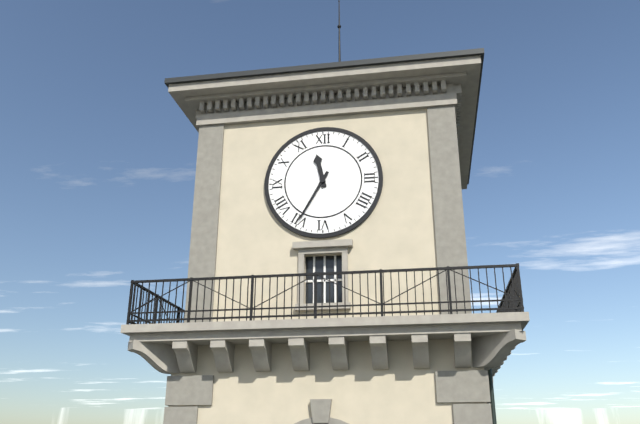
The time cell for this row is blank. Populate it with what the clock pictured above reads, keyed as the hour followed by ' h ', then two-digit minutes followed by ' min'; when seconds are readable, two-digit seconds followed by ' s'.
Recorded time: 11 h 35 min
